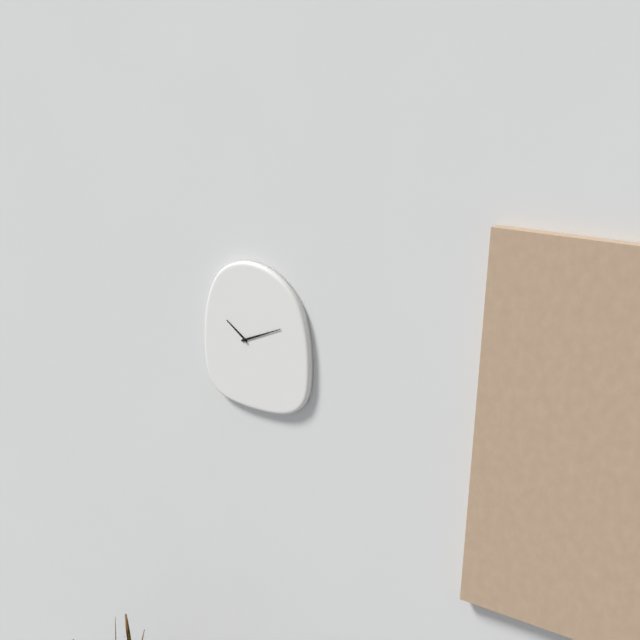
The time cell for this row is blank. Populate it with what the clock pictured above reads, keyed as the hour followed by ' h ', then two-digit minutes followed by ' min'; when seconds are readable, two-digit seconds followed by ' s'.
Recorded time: 10 h 11 min
